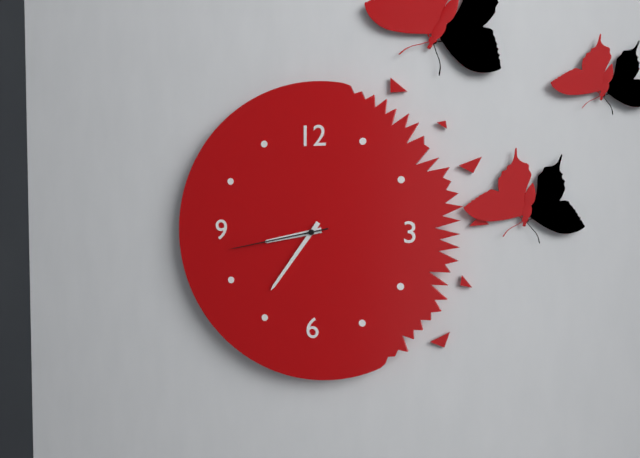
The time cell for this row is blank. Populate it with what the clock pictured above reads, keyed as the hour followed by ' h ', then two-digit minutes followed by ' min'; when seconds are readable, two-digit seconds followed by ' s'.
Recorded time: 8 h 36 min 43 s
